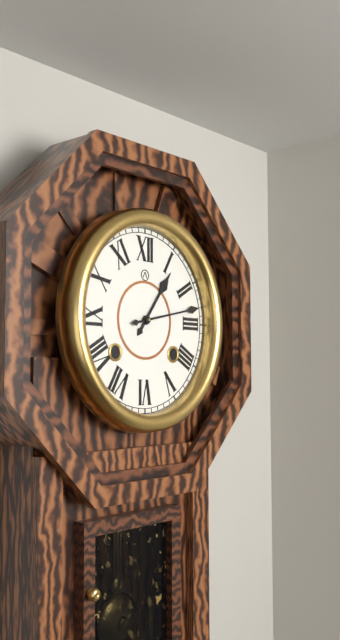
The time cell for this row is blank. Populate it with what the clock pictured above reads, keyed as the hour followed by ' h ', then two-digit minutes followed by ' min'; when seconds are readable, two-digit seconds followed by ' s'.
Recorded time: 1 h 13 min
